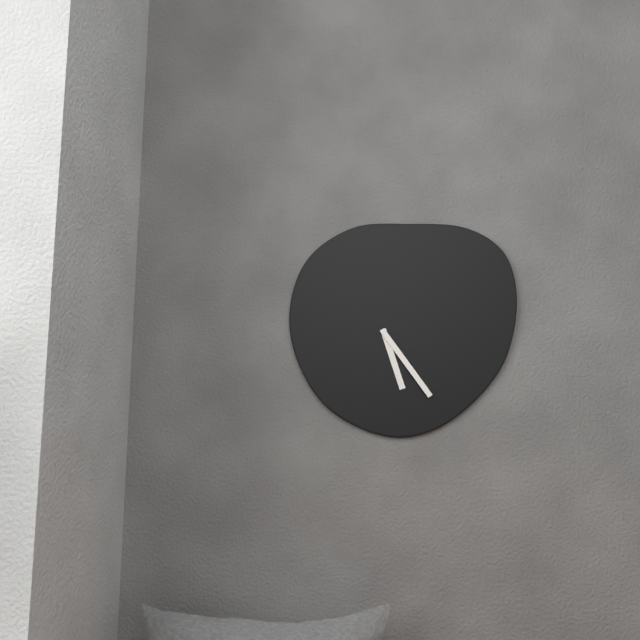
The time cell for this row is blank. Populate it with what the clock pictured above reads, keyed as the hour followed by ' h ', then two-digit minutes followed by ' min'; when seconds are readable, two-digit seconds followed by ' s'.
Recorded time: 5 h 24 min
